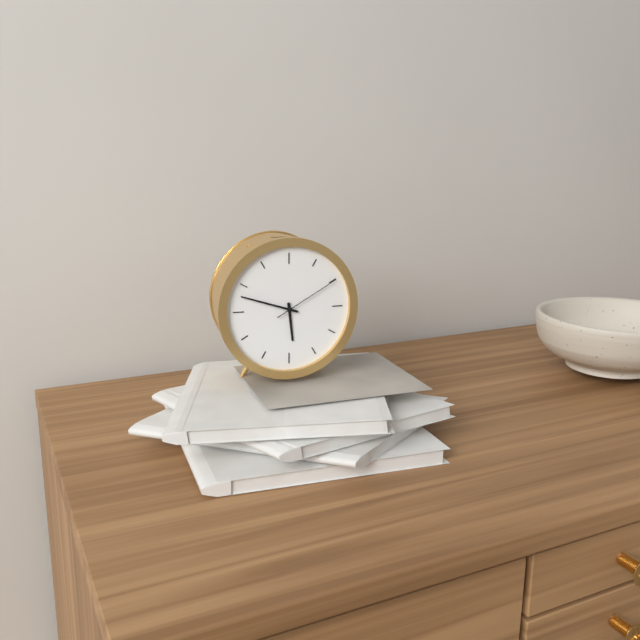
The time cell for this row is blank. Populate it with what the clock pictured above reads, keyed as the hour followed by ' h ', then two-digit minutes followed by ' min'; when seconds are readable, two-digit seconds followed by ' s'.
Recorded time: 5 h 48 min 10 s
